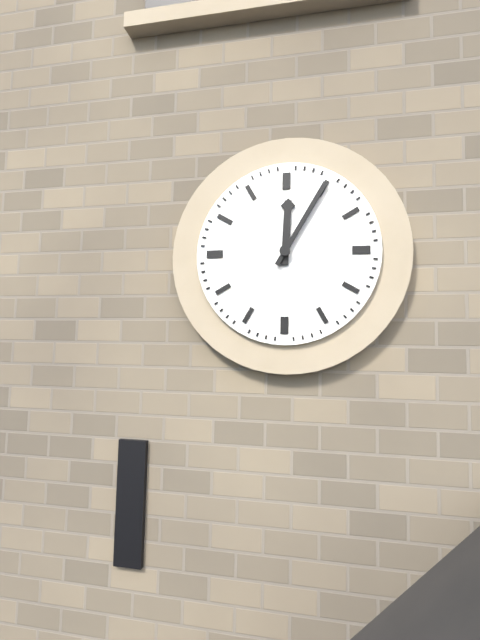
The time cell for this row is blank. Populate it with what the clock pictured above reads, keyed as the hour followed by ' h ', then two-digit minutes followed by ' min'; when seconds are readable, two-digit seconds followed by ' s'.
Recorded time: 12 h 05 min
